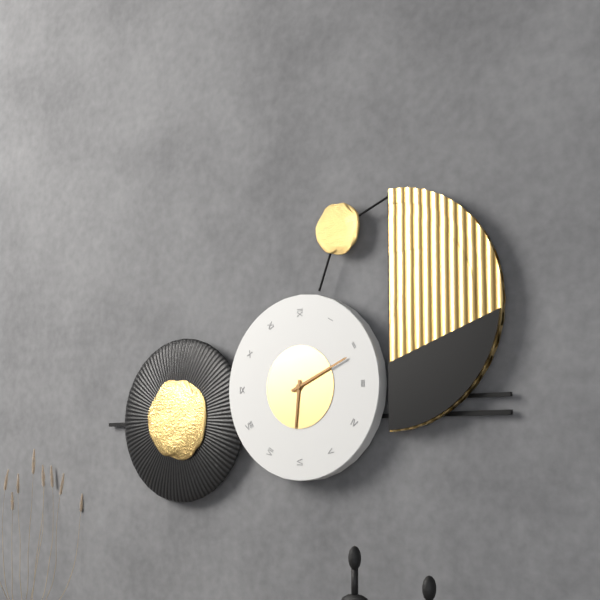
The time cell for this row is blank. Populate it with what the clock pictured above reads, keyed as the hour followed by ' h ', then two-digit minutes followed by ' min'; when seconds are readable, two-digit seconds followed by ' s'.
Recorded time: 6 h 11 min
